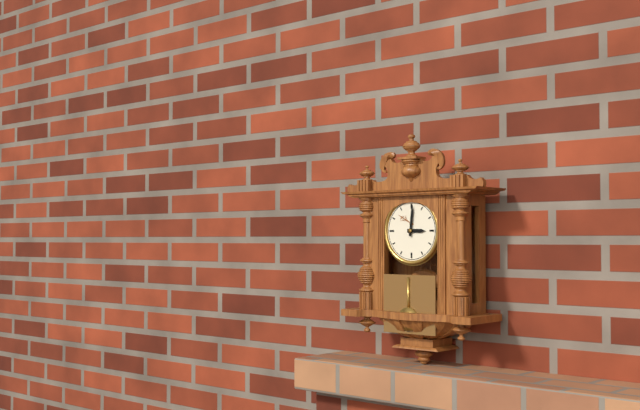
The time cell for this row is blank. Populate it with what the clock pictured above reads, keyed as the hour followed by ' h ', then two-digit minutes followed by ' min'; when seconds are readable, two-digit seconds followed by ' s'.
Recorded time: 3 h 01 min
